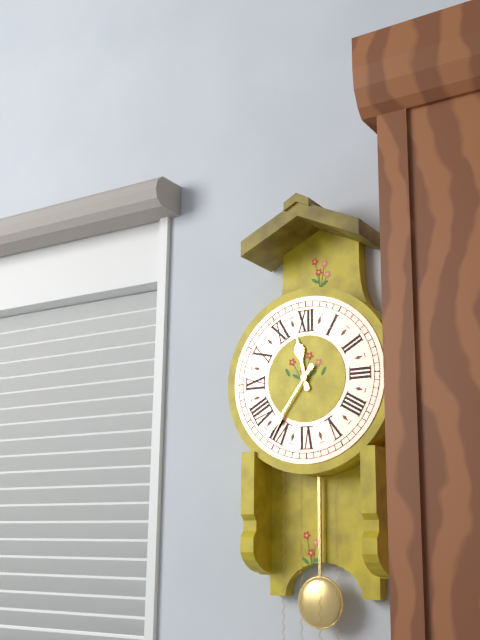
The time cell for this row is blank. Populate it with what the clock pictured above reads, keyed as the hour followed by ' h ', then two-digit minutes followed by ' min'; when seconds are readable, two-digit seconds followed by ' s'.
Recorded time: 11 h 36 min
